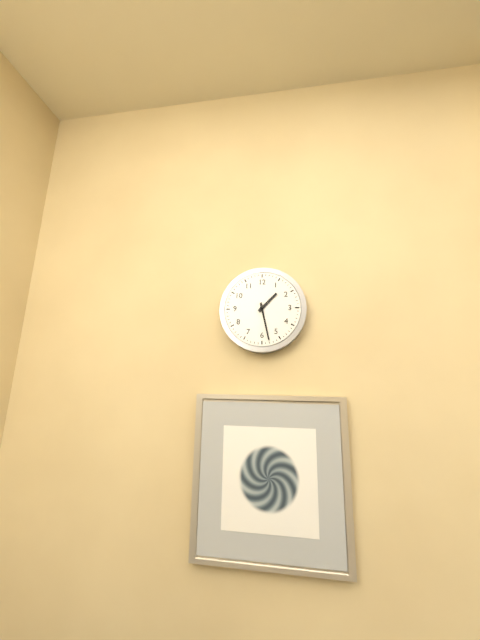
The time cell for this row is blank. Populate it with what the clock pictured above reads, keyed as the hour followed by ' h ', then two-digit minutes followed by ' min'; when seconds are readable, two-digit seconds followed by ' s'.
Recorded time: 1 h 28 min
